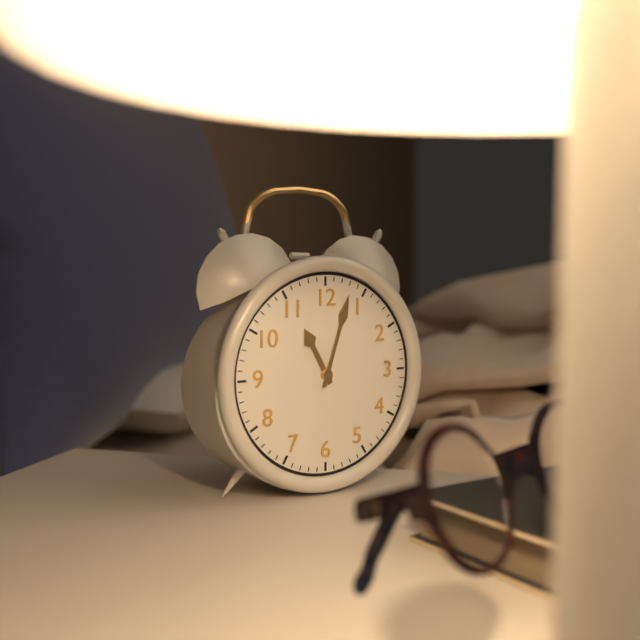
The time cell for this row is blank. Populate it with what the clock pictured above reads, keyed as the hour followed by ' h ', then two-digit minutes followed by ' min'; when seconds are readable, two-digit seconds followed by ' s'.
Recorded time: 11 h 03 min
